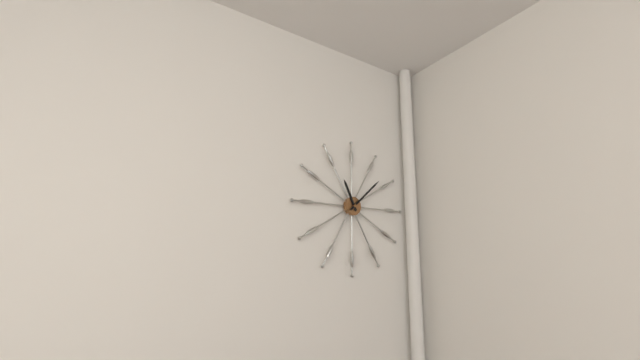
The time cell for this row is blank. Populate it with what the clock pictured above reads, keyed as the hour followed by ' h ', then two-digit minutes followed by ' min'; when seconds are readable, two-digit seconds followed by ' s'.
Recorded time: 11 h 08 min
